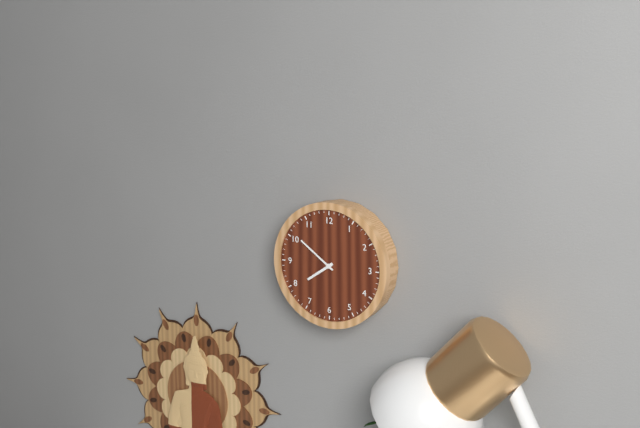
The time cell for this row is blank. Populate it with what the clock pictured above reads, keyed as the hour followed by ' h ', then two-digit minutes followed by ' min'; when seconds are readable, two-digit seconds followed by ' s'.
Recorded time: 7 h 51 min
